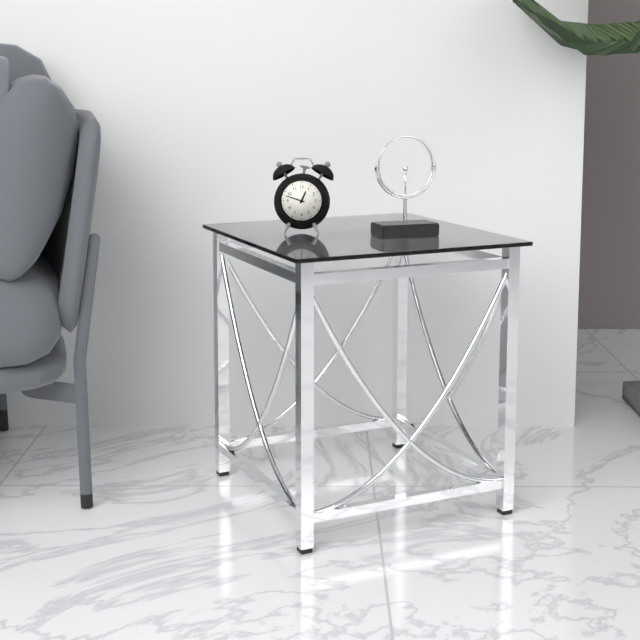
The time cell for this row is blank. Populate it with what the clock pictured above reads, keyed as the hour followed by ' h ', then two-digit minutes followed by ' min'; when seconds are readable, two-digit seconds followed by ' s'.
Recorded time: 12 h 48 min
